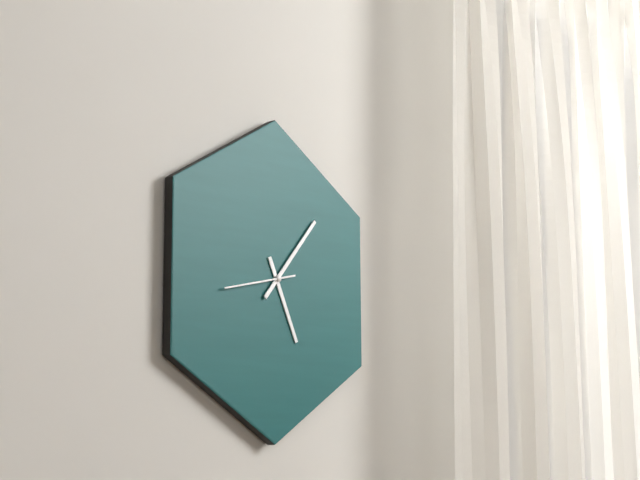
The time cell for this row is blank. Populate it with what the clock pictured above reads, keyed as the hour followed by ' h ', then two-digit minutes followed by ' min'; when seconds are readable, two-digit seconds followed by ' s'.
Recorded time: 5 h 07 min 43 s
